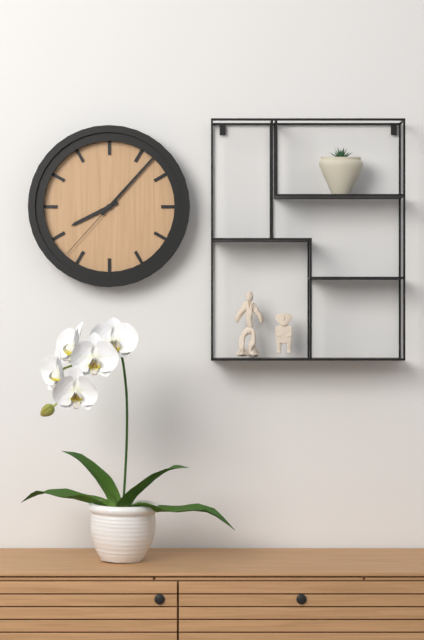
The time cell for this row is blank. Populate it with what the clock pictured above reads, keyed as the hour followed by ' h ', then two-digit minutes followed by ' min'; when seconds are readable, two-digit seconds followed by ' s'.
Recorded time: 8 h 07 min 37 s
